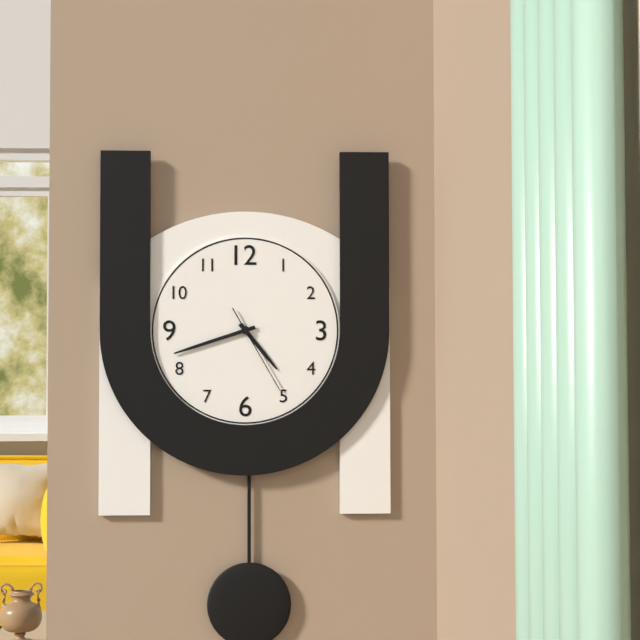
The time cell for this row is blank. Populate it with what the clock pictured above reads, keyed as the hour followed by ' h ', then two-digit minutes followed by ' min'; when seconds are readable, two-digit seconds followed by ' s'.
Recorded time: 4 h 42 min 25 s
